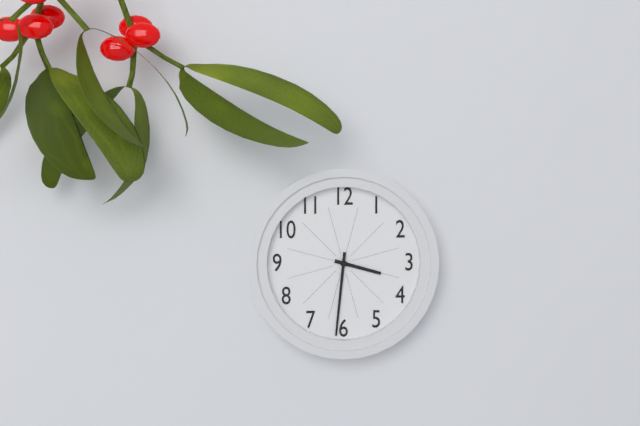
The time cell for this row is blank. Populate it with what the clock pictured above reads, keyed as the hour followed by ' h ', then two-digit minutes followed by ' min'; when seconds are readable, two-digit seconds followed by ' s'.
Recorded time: 3 h 31 min
